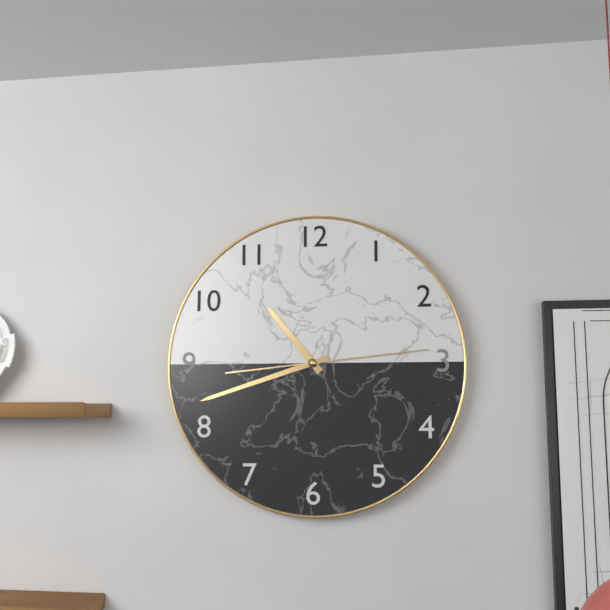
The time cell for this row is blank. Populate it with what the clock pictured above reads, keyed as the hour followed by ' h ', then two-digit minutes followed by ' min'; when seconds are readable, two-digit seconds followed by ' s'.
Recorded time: 10 h 42 min 14 s
